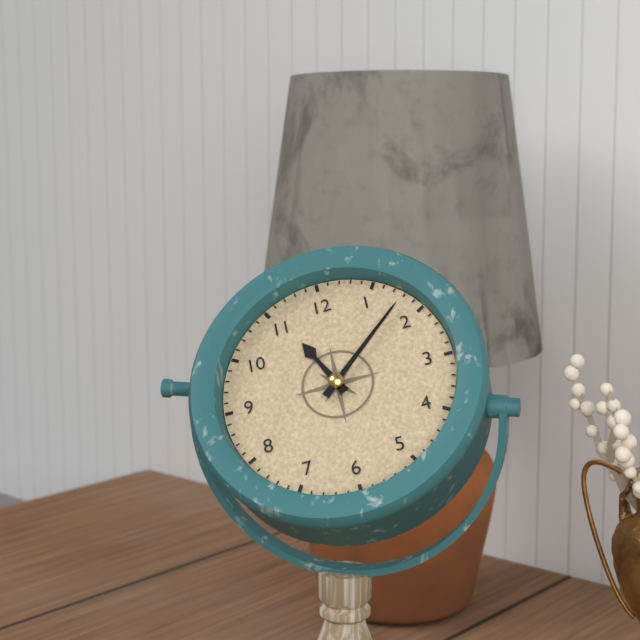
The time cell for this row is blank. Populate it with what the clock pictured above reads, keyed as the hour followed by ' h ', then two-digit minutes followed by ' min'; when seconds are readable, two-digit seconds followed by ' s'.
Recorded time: 11 h 08 min
